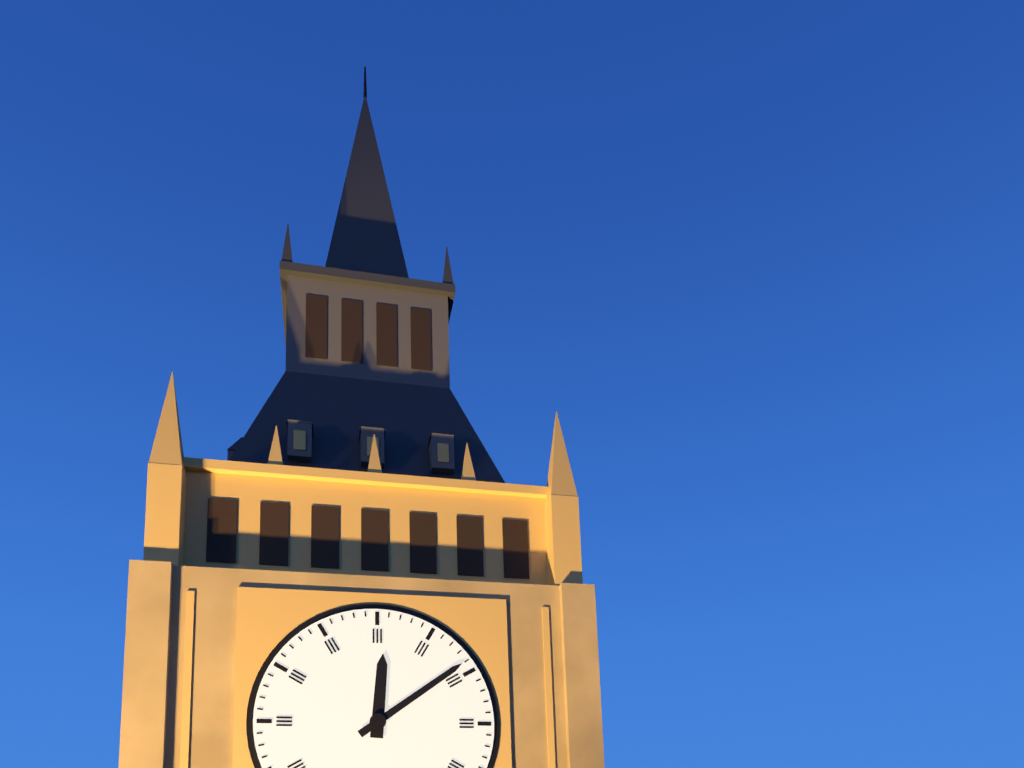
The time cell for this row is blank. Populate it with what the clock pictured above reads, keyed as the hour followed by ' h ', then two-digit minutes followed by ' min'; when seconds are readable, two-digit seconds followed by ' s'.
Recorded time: 12 h 09 min
